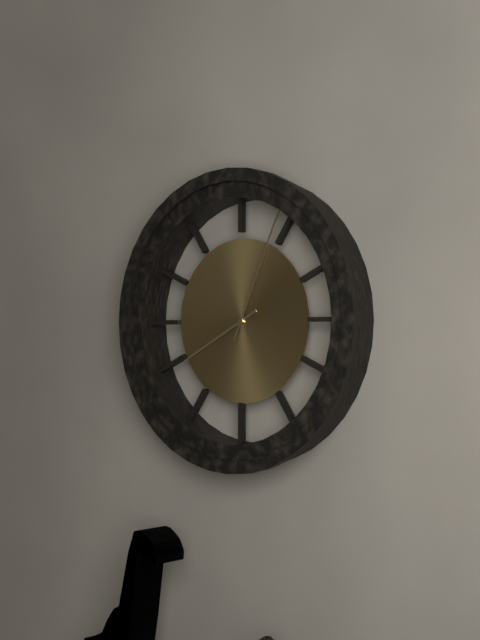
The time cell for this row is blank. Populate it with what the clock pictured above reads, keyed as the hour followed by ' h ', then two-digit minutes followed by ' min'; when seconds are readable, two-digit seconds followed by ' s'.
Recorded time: 8 h 04 min
